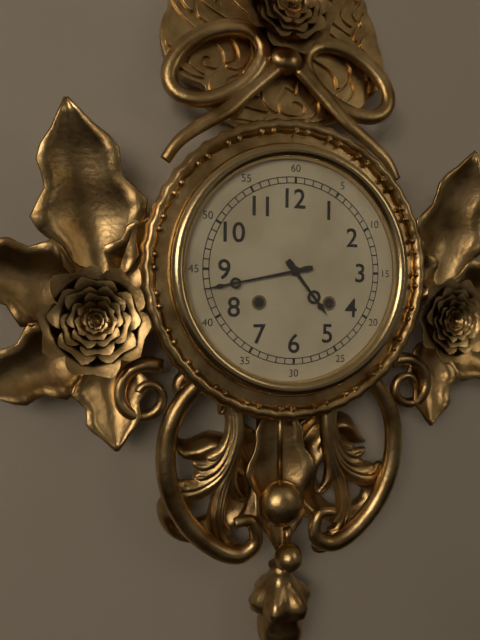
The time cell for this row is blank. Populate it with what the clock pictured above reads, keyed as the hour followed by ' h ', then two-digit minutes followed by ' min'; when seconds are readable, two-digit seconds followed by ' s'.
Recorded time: 4 h 43 min
